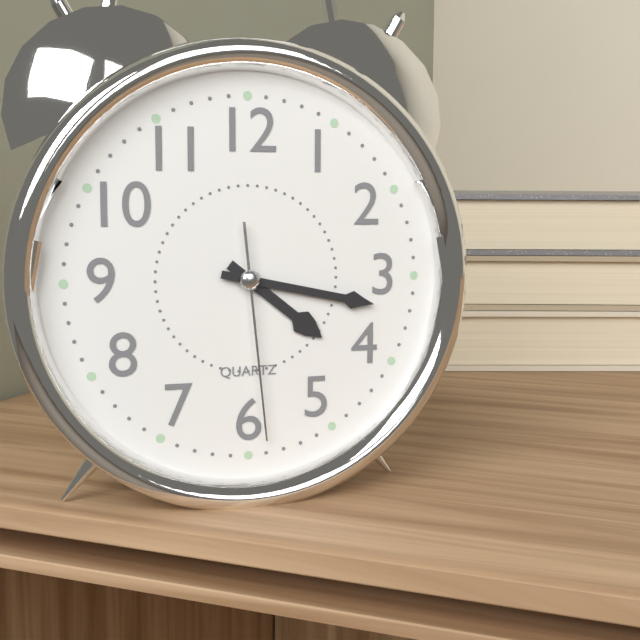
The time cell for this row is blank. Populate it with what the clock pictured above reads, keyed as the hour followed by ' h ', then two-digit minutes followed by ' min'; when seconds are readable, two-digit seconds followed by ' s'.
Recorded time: 4 h 17 min 29 s
